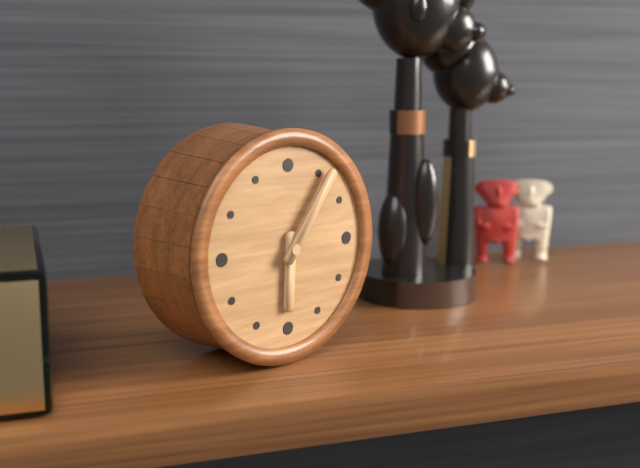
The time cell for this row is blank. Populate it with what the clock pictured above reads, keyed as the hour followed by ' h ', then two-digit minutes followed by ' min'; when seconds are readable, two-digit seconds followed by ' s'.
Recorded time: 6 h 06 min
